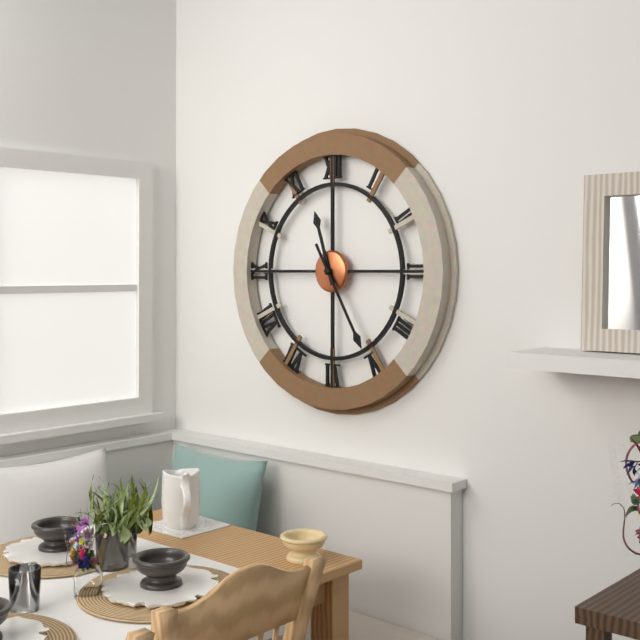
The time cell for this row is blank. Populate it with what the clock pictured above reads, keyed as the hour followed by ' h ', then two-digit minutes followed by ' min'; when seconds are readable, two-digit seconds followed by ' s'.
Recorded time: 11 h 25 min
